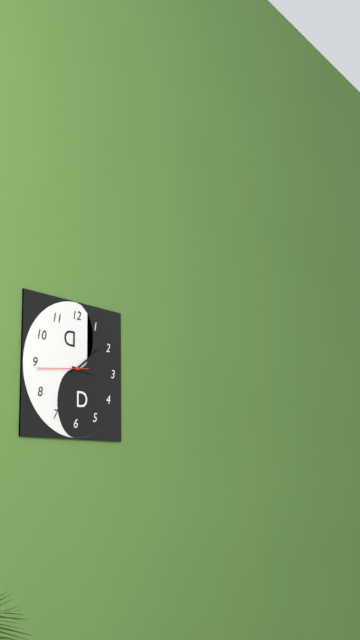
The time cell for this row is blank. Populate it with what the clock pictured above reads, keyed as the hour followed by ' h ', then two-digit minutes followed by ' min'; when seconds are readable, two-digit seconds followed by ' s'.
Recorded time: 3 h 09 min 44 s
